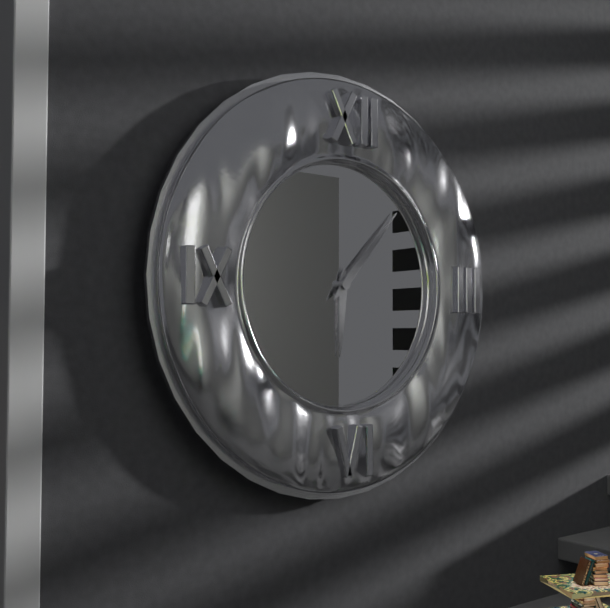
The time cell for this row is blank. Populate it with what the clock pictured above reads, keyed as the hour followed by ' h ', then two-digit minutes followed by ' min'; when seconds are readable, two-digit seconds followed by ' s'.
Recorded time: 6 h 07 min
